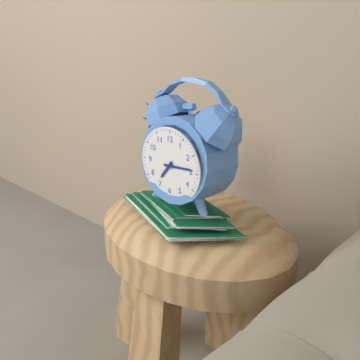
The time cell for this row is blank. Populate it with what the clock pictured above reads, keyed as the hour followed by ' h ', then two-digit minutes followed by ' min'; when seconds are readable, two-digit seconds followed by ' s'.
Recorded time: 7 h 14 min
